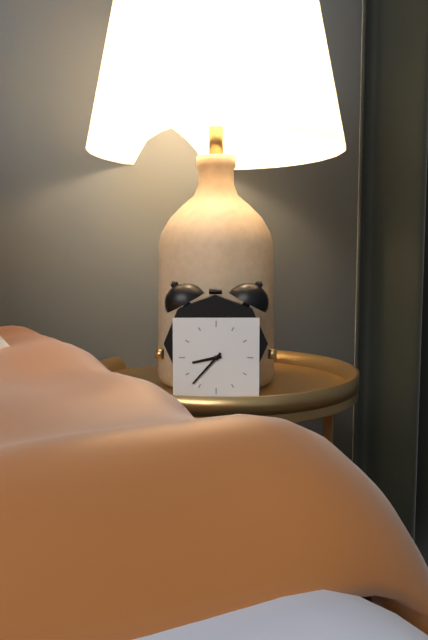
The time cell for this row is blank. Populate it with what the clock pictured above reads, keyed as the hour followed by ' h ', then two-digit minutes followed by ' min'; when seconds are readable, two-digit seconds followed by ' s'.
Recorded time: 8 h 37 min
